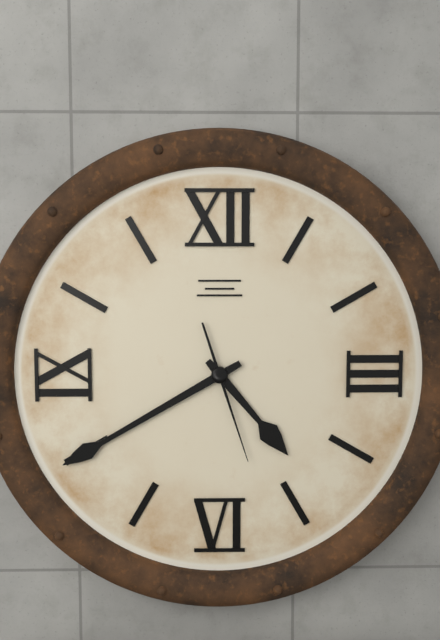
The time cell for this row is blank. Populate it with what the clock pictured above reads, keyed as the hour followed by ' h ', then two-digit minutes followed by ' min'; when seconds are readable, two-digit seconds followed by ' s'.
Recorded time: 4 h 40 min 27 s
